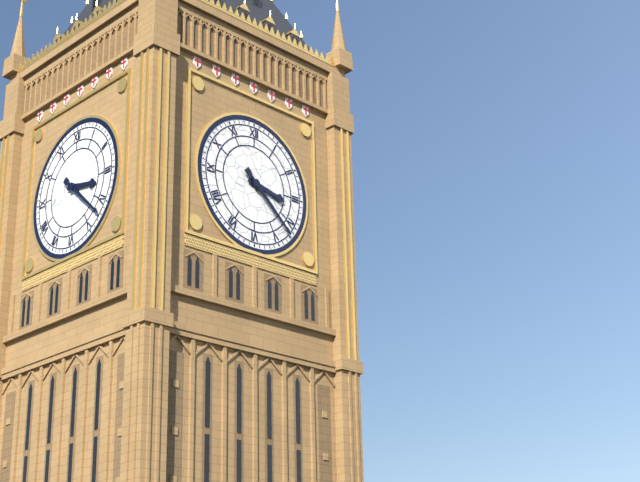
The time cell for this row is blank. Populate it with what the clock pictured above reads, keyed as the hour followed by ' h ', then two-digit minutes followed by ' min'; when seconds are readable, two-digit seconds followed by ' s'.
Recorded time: 3 h 22 min
